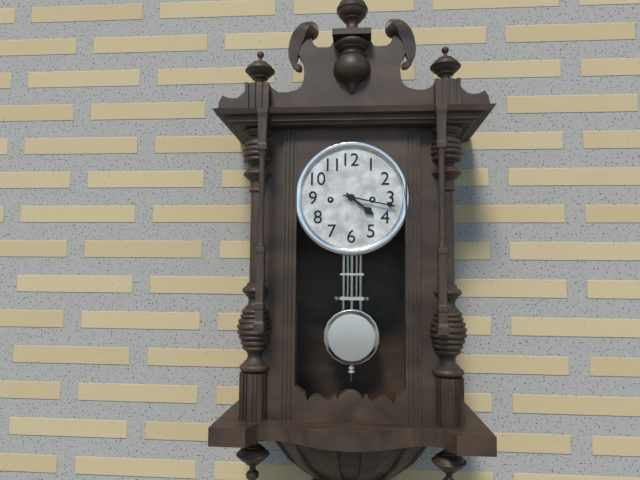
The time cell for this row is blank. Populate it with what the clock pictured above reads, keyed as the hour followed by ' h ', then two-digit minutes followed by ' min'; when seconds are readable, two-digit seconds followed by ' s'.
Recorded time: 4 h 17 min
